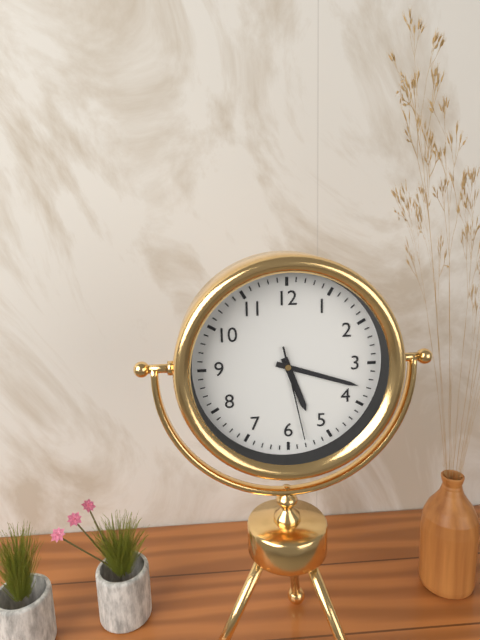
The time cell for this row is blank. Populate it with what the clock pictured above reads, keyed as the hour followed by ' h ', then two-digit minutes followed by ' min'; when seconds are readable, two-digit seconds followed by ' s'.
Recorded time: 5 h 18 min 28 s
